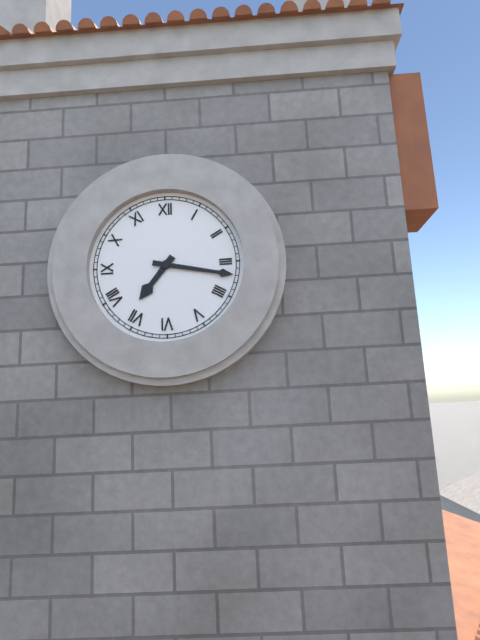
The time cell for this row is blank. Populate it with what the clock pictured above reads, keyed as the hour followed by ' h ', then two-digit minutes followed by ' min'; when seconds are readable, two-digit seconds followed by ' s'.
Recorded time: 7 h 17 min
